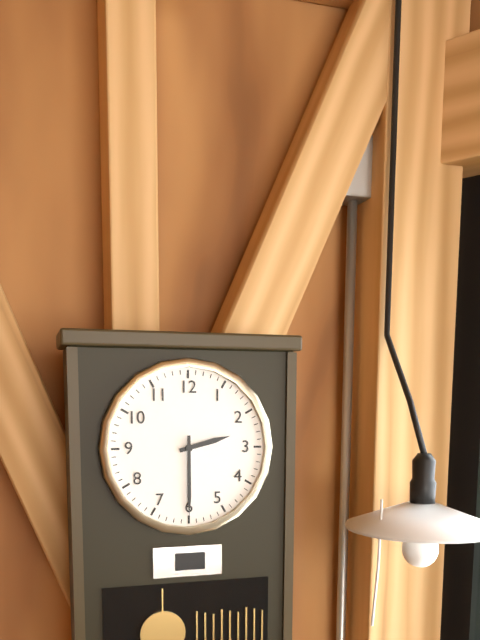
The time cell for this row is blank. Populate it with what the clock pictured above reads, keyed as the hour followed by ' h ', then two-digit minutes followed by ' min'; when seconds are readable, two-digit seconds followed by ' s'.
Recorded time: 2 h 30 min
